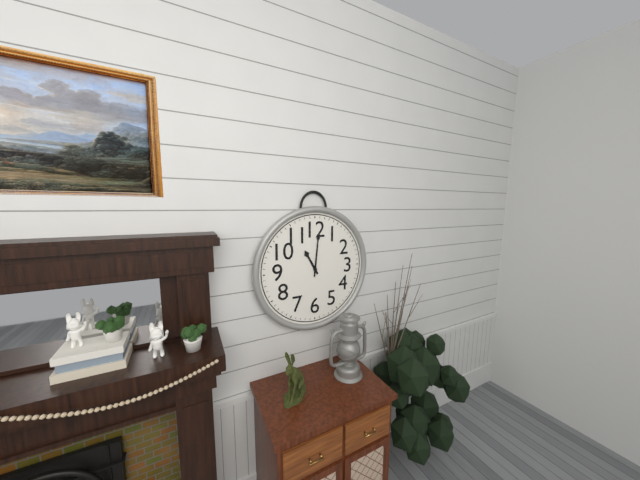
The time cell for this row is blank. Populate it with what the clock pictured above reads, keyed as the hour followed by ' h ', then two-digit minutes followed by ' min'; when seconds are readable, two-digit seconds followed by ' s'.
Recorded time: 11 h 01 min
